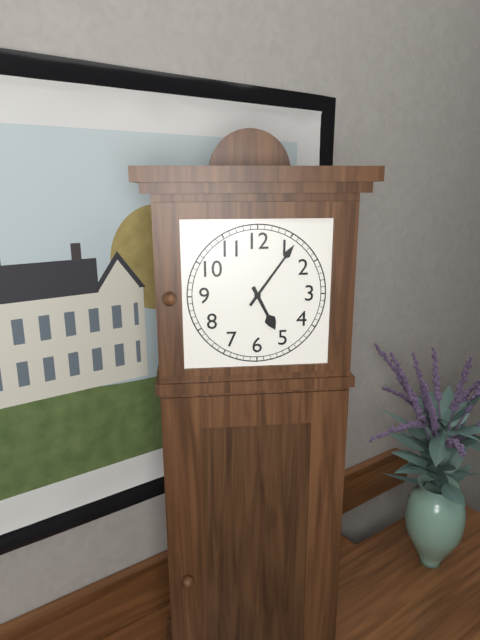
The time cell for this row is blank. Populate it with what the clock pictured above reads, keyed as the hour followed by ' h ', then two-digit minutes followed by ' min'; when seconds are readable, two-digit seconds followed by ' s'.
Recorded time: 5 h 06 min
